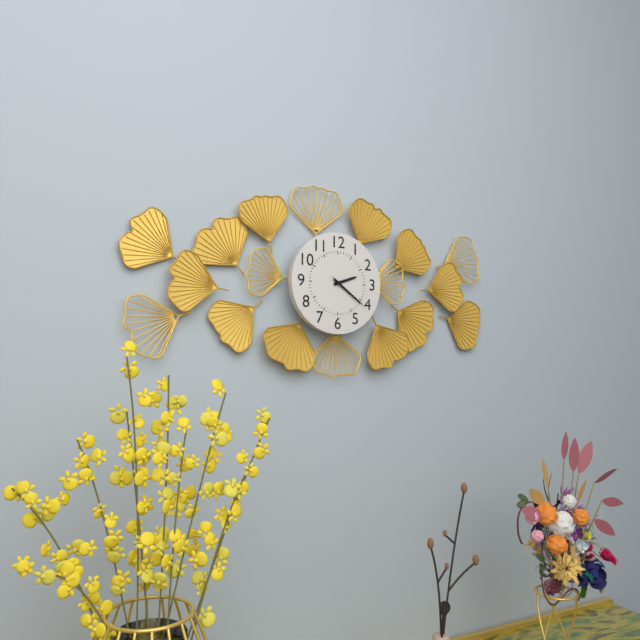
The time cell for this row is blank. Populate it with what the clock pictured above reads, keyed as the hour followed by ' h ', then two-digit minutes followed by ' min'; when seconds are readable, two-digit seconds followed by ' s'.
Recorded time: 2 h 21 min
